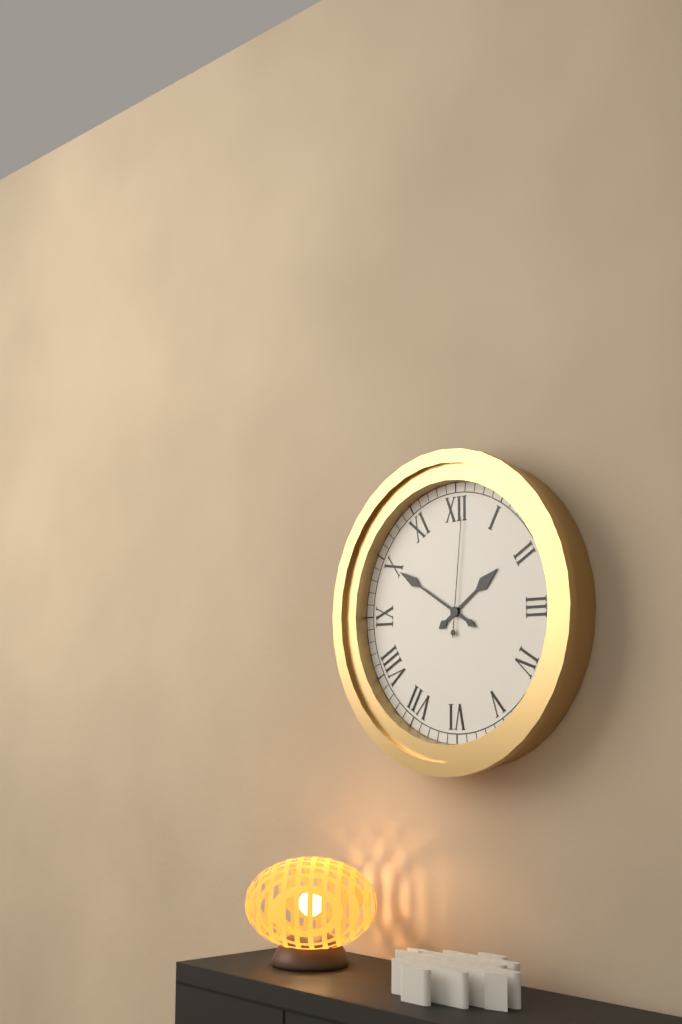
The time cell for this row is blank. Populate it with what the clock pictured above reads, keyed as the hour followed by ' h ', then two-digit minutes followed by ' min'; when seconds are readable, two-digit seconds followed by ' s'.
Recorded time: 1 h 50 min 01 s
